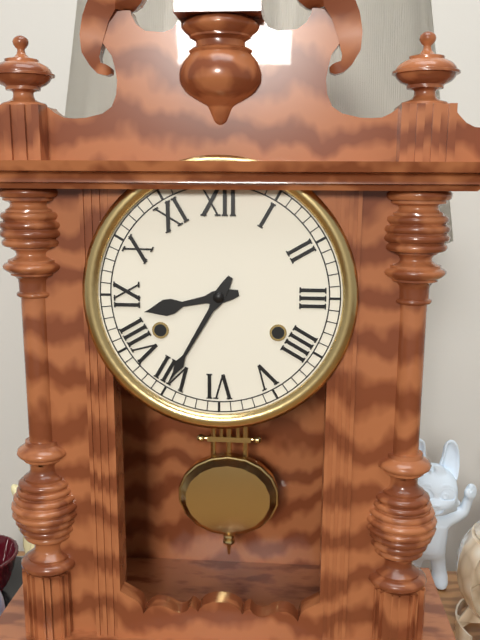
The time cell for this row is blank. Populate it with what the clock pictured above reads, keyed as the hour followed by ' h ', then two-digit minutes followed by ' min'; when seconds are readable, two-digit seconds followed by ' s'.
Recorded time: 8 h 35 min
